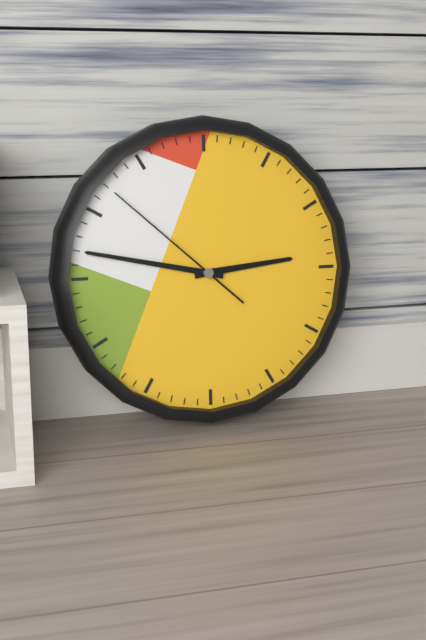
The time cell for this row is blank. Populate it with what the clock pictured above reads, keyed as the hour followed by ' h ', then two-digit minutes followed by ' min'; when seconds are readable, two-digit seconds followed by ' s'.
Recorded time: 2 h 47 min 52 s
